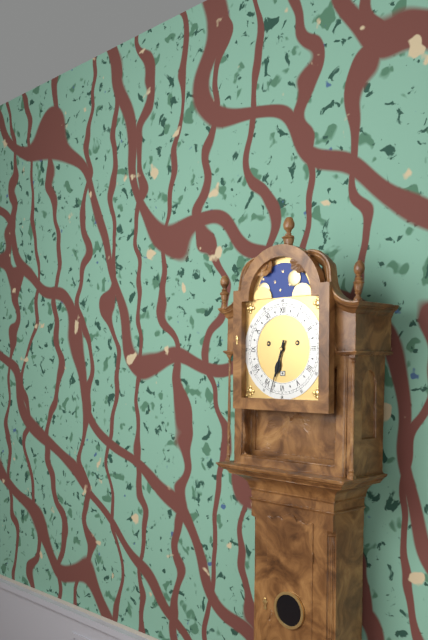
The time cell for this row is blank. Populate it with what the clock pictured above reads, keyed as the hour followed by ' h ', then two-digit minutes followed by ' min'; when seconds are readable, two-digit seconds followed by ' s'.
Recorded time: 6 h 33 min
